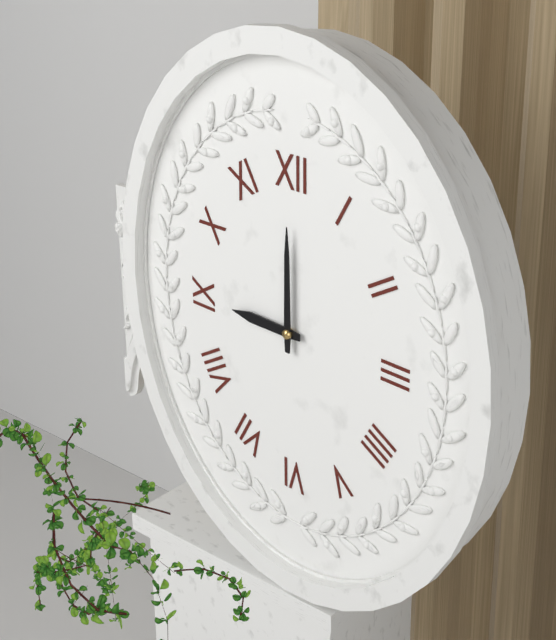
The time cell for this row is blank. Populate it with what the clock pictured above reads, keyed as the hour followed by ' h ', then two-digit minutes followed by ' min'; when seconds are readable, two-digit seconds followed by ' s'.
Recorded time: 9 h 00 min
